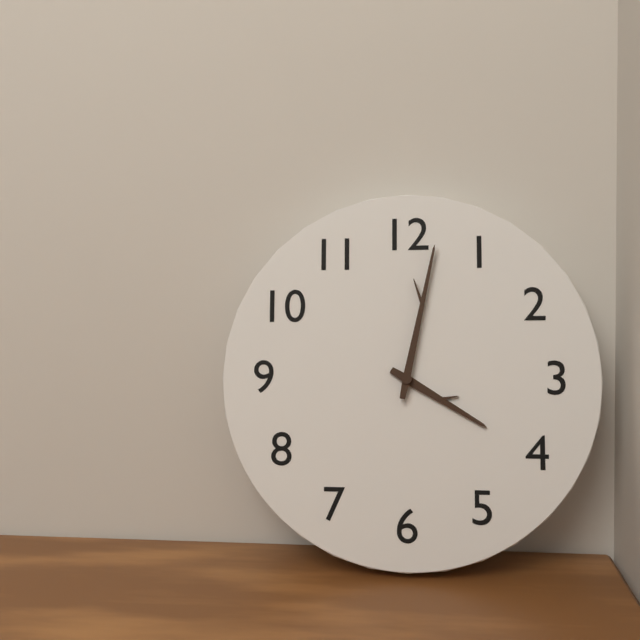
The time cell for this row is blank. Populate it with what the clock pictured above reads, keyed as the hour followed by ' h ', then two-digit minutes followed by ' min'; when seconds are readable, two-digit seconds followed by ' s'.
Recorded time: 4 h 02 min
